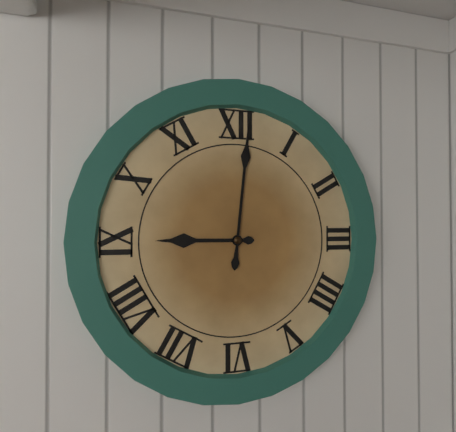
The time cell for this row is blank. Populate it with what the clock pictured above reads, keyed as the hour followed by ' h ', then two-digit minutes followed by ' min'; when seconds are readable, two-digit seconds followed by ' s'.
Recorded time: 9 h 01 min
